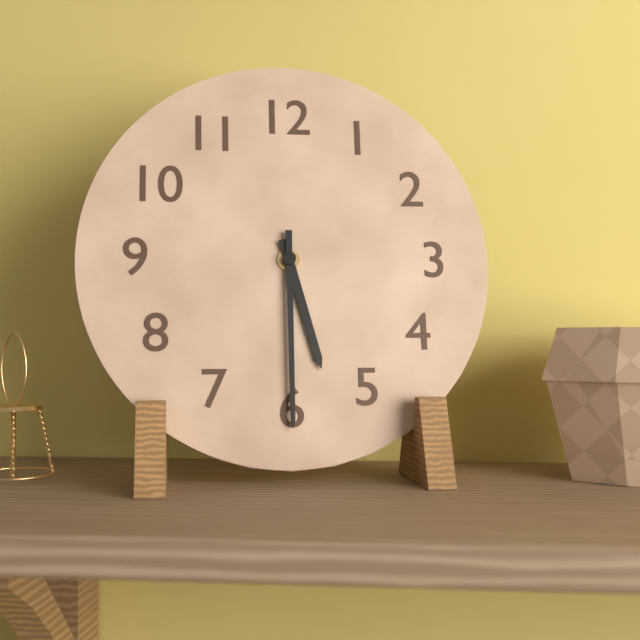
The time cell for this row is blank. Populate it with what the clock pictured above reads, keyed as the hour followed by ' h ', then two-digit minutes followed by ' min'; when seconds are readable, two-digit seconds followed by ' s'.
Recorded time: 5 h 30 min
